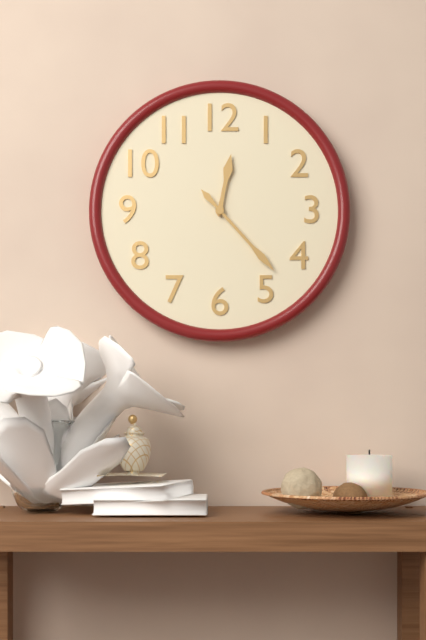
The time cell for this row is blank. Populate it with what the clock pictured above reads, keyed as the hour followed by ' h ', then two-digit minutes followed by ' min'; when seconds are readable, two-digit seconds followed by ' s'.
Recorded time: 12 h 23 min
